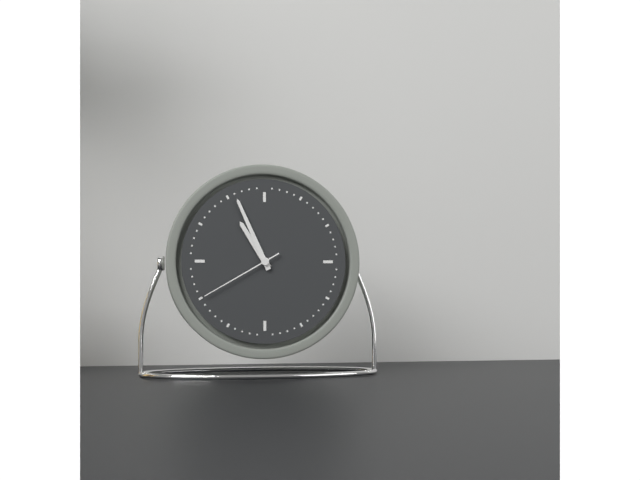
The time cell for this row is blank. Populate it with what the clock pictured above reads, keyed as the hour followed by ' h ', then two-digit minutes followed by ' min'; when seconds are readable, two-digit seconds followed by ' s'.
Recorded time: 10 h 56 min 40 s
